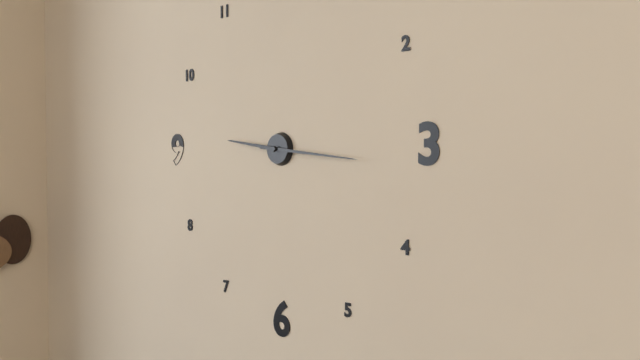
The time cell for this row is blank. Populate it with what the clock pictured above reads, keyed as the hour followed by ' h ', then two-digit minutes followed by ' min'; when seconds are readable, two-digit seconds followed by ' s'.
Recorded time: 9 h 16 min
